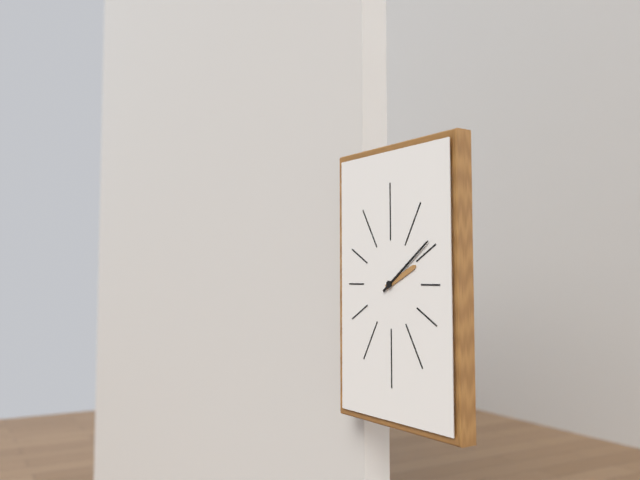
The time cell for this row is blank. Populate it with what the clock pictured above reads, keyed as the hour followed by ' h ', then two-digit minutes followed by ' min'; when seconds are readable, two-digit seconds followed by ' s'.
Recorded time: 2 h 09 min
